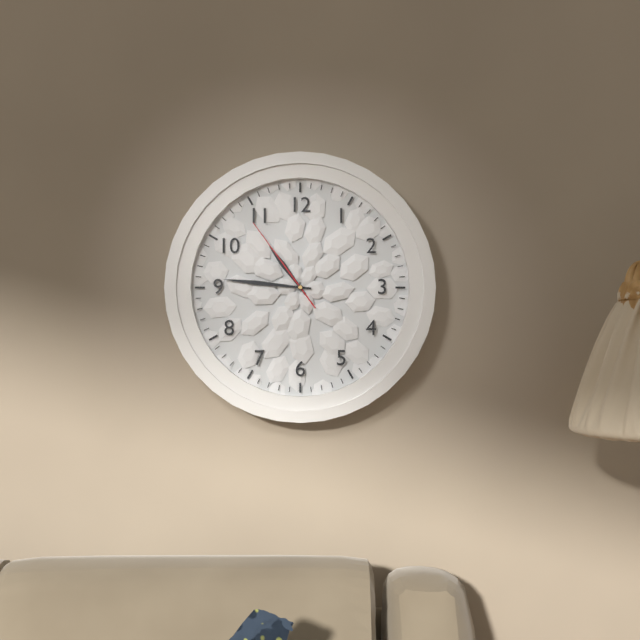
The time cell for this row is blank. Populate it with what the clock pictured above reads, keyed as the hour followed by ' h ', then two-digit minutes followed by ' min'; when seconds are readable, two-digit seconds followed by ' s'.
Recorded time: 10 h 46 min 54 s
